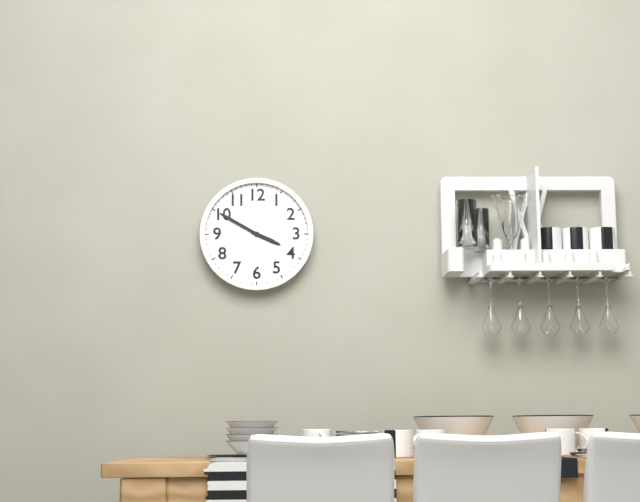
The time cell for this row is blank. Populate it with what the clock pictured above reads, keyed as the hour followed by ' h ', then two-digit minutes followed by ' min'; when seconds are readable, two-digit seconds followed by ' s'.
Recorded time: 3 h 50 min
